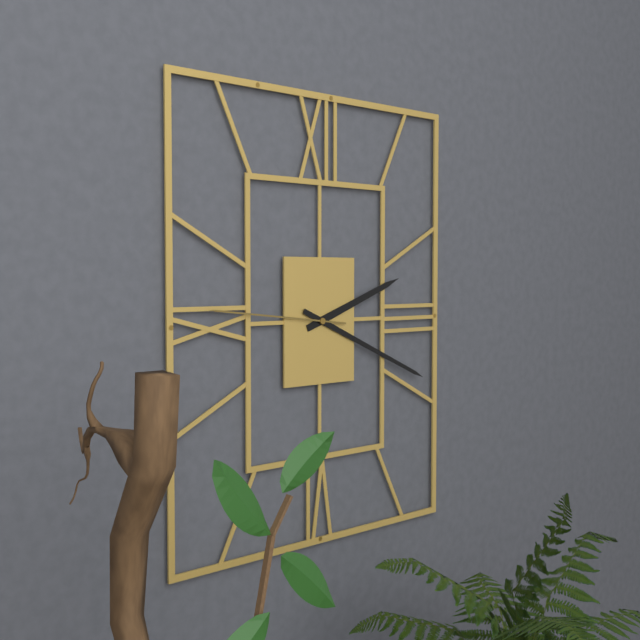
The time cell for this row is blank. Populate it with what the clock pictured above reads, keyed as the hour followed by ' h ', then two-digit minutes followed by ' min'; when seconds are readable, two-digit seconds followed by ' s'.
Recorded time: 2 h 19 min 46 s
